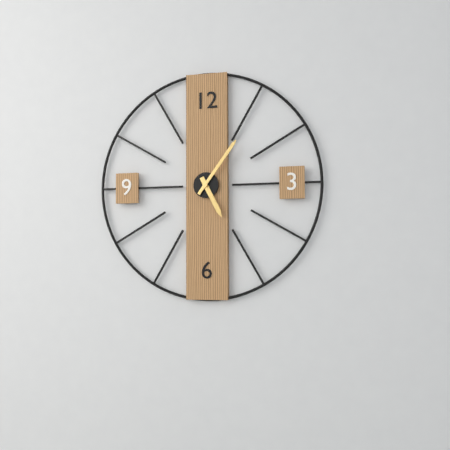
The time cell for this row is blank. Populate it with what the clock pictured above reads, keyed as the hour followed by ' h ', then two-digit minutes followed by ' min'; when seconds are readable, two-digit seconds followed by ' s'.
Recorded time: 5 h 06 min
